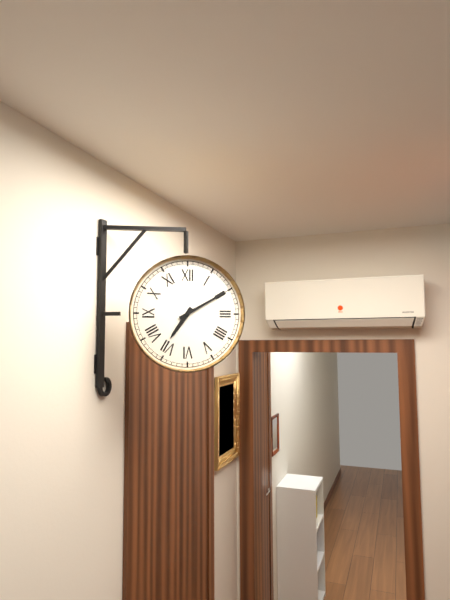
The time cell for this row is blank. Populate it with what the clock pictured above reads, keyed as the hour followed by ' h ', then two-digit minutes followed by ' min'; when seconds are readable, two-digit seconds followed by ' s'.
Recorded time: 7 h 10 min
